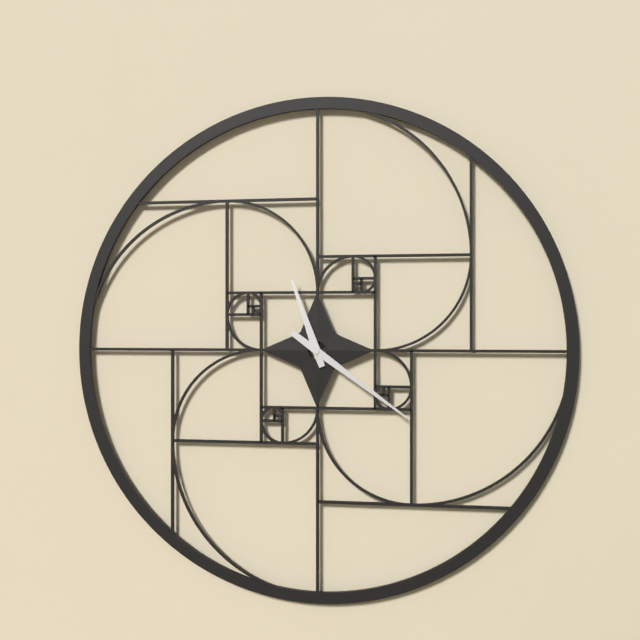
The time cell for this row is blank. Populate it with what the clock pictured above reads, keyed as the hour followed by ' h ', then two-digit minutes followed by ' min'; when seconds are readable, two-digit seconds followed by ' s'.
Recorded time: 11 h 21 min
